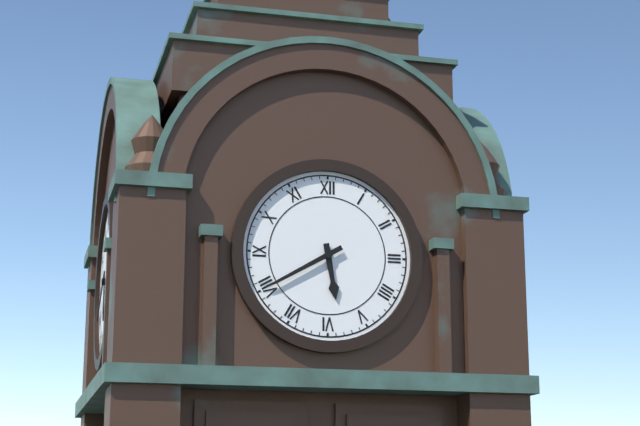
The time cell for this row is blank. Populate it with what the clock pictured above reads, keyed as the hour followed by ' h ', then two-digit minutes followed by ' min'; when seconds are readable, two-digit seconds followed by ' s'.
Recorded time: 5 h 40 min
